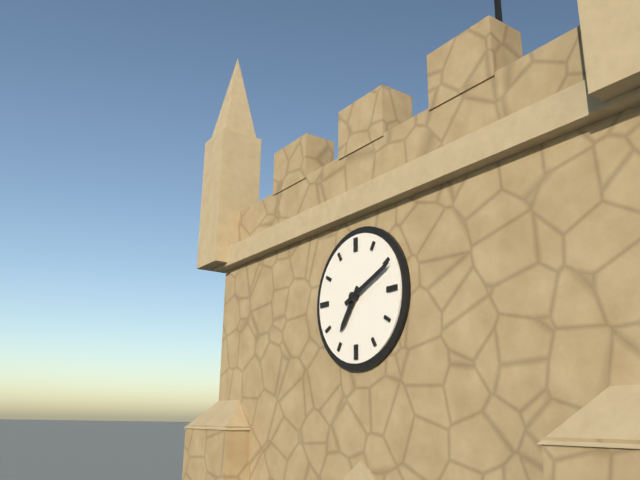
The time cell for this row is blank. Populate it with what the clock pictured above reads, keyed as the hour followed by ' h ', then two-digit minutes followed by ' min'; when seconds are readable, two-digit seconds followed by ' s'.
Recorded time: 7 h 11 min
